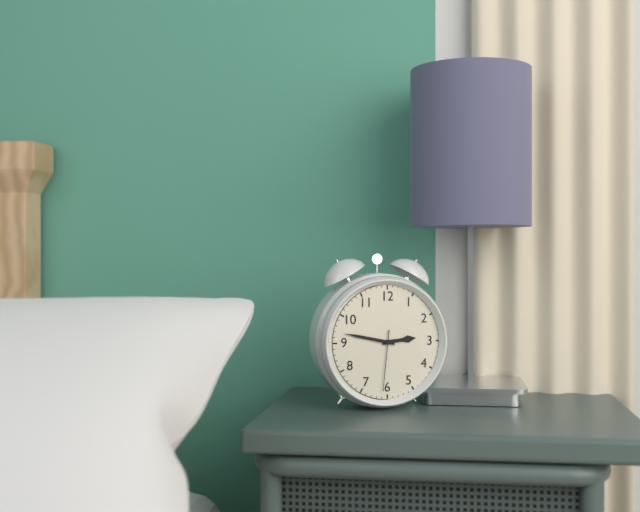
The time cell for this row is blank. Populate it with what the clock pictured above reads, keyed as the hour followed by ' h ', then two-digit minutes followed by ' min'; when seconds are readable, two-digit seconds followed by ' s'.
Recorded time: 2 h 47 min 31 s
